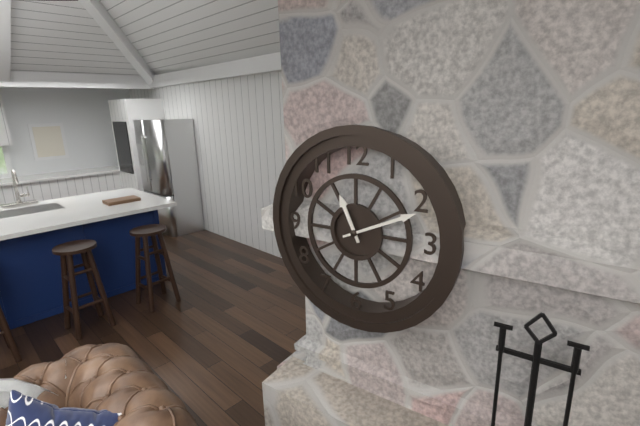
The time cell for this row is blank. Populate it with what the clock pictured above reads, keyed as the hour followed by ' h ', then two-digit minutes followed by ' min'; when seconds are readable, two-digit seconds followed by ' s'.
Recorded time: 11 h 11 min
